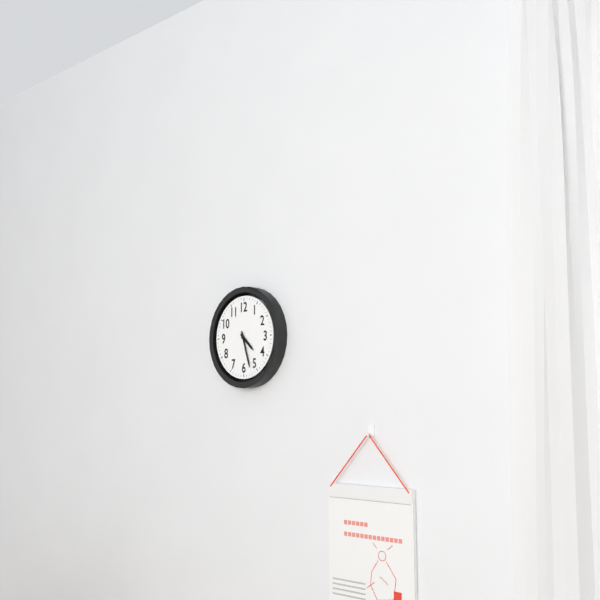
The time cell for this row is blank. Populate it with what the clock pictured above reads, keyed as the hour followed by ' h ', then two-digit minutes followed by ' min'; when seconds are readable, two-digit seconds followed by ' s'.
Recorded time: 4 h 27 min
